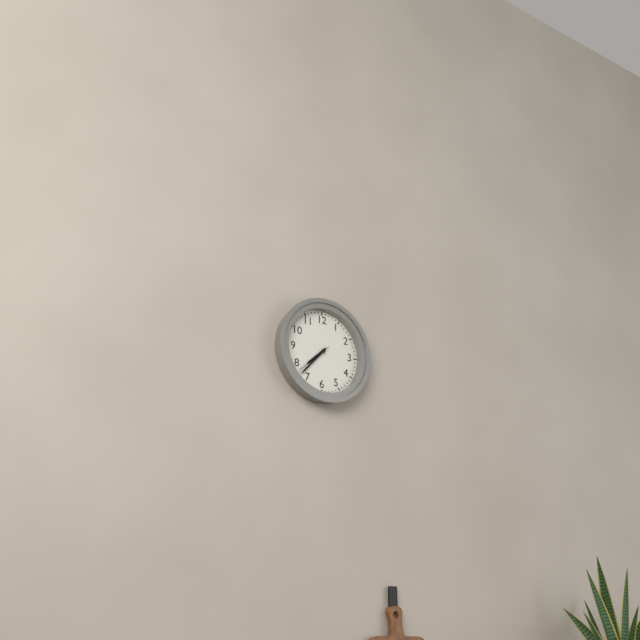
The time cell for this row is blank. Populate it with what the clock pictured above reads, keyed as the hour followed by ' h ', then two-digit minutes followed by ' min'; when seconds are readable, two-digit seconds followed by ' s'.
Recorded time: 7 h 37 min
